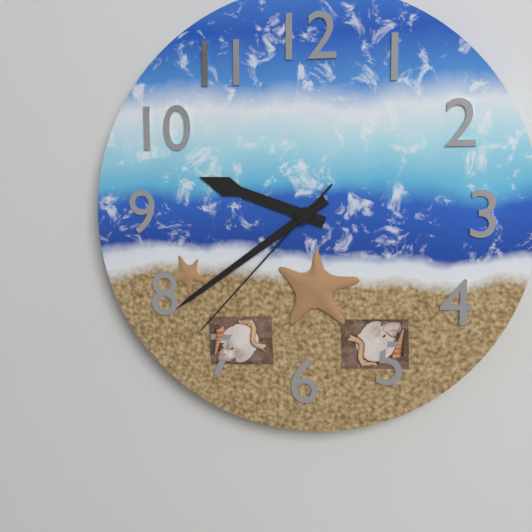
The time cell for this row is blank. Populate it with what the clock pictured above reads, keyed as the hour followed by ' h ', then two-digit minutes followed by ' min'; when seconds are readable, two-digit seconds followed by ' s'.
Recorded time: 9 h 39 min 37 s
